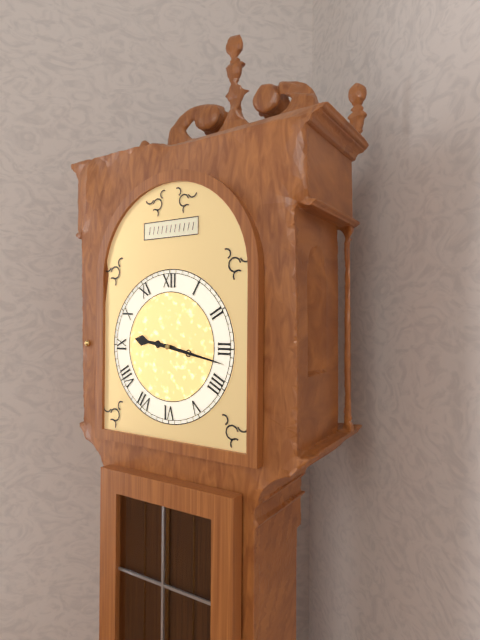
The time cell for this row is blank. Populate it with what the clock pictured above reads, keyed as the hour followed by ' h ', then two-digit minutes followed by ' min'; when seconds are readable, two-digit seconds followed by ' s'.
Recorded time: 9 h 17 min
